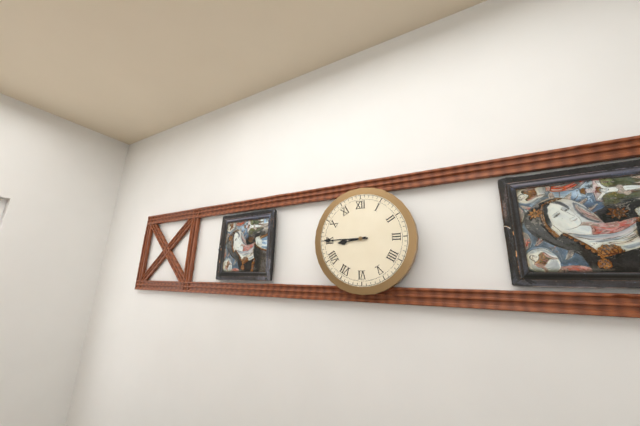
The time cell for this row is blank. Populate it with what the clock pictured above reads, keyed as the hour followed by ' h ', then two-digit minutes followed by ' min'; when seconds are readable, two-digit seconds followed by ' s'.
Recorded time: 8 h 45 min
